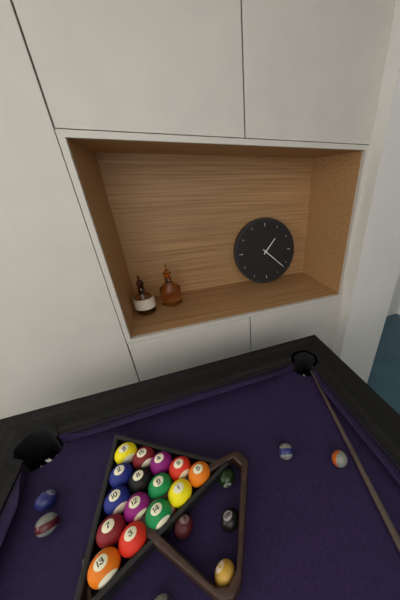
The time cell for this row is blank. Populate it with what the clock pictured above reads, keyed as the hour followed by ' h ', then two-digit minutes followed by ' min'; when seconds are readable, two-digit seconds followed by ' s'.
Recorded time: 1 h 22 min
